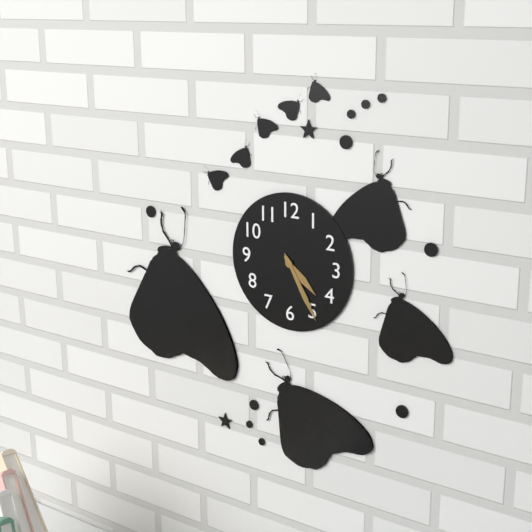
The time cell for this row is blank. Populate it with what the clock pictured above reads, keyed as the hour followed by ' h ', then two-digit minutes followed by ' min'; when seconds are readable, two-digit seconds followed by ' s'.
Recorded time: 4 h 25 min
